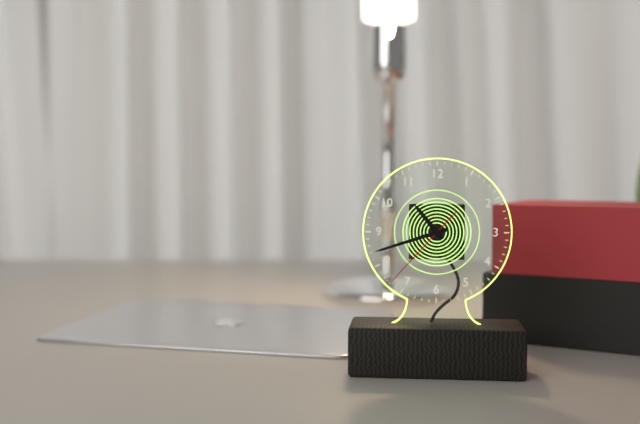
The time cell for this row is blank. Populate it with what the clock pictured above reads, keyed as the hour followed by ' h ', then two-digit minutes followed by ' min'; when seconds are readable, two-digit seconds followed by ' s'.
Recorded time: 10 h 42 min 37 s
